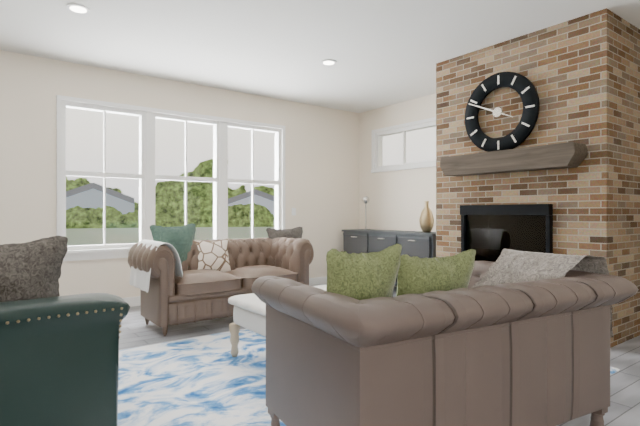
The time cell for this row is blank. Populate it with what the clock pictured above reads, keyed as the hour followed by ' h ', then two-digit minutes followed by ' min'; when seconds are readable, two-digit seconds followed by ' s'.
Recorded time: 9 h 49 min
